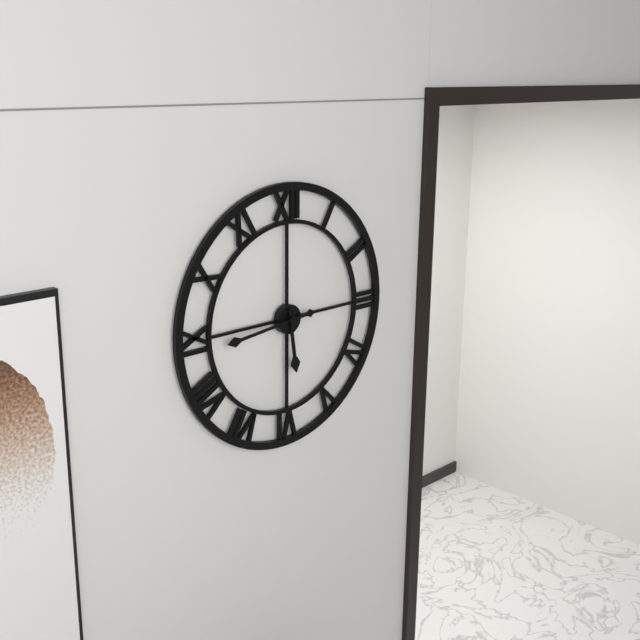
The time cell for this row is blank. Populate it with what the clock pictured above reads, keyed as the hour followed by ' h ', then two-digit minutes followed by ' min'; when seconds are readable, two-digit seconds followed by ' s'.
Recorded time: 5 h 44 min
